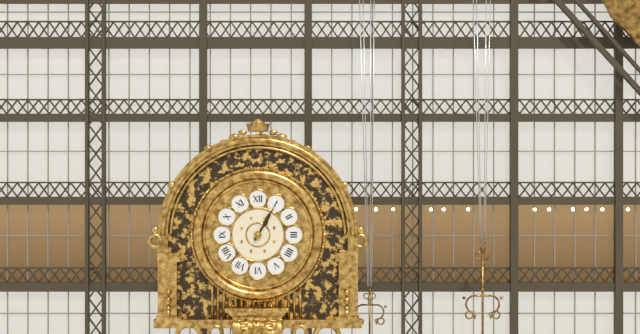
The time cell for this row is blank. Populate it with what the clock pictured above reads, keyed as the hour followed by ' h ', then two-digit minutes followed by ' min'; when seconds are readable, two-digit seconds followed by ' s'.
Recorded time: 1 h 05 min
